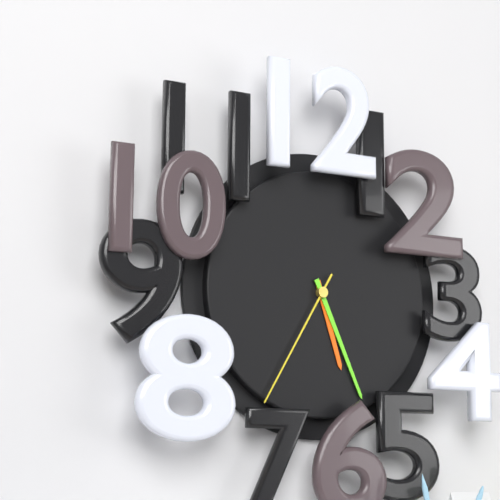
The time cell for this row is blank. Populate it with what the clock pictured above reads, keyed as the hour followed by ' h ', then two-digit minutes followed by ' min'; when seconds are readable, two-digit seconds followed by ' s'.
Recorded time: 5 h 26 min 35 s
